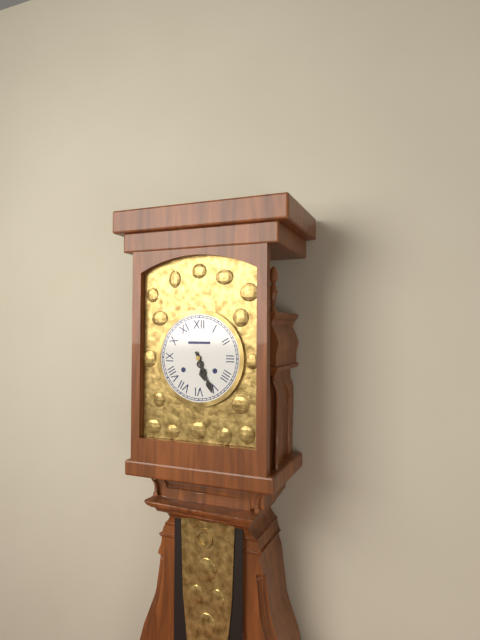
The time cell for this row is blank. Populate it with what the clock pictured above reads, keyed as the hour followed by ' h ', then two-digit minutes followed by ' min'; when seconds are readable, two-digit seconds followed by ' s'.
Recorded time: 5 h 26 min
